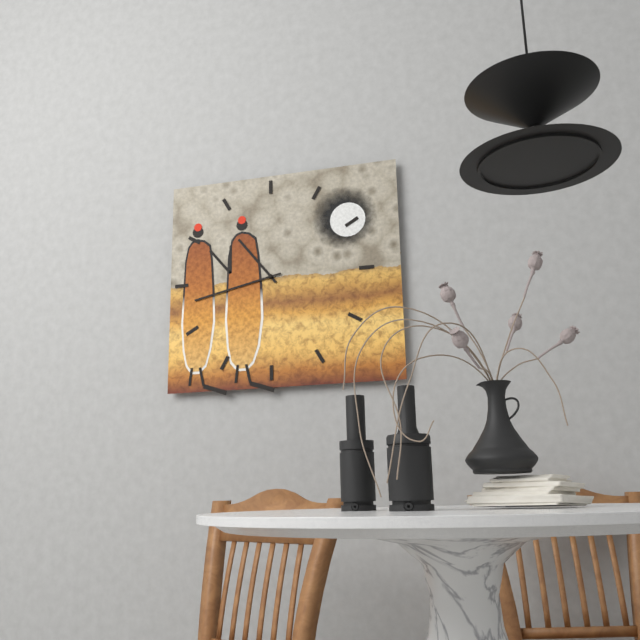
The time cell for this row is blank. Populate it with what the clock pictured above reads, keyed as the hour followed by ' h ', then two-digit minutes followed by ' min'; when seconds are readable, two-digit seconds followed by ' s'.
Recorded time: 10 h 43 min
